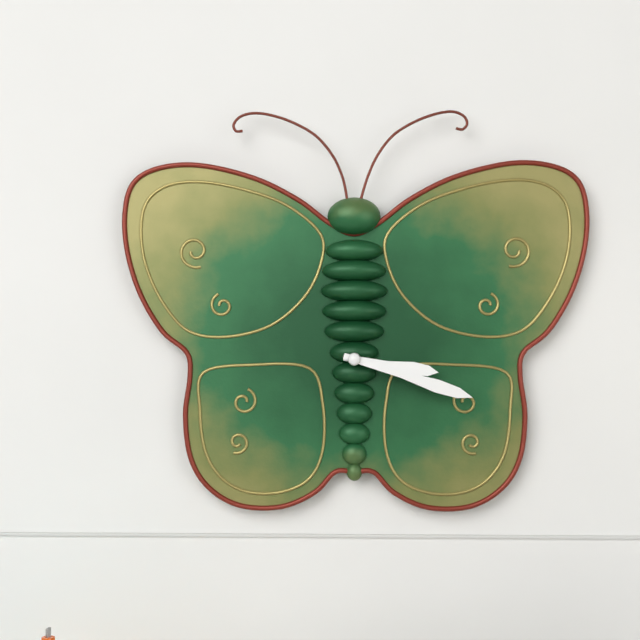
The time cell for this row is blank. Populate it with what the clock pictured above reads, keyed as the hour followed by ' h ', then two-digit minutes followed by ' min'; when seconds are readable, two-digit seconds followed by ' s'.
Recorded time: 3 h 18 min
